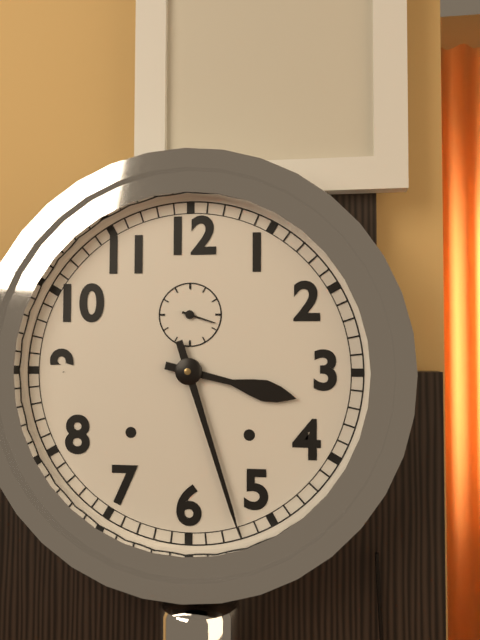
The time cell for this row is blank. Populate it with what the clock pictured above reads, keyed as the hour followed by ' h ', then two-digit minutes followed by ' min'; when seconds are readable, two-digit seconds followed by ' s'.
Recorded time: 3 h 27 min
